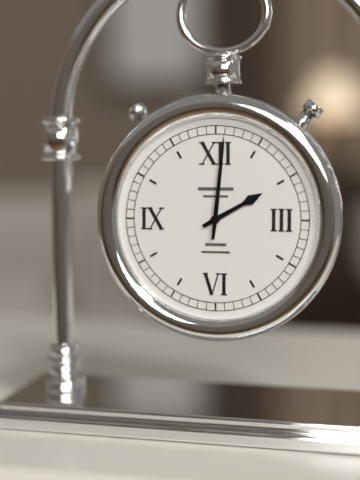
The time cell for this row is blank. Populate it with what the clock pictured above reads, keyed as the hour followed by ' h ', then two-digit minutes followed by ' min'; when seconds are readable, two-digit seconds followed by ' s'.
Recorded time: 2 h 01 min
